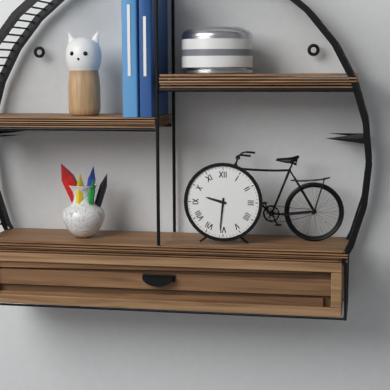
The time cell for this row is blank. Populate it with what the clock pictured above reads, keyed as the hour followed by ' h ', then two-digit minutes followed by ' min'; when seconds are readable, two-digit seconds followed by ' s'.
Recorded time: 9 h 31 min
